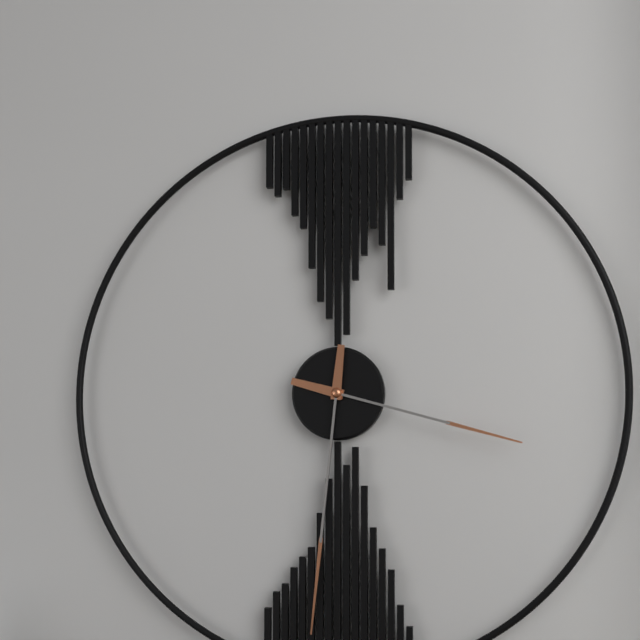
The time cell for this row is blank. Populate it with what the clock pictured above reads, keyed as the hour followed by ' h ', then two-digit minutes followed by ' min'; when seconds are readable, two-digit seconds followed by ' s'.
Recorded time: 3 h 31 min
